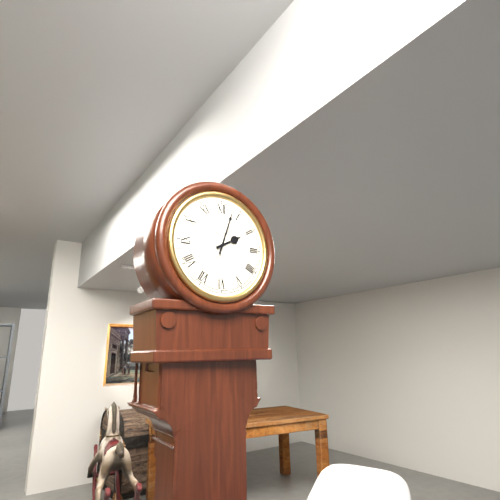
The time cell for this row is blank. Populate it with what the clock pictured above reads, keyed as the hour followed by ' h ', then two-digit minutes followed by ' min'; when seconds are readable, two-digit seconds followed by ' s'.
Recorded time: 2 h 03 min
